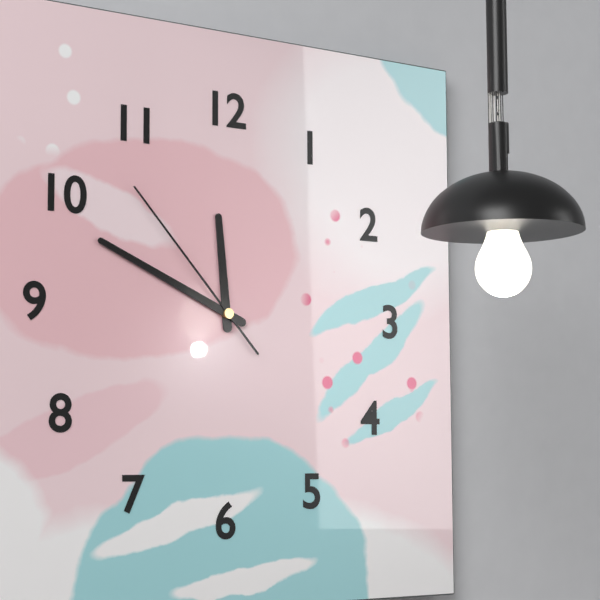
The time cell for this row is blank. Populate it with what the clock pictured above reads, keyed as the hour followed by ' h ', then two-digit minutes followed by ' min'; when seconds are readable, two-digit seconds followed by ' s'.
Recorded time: 11 h 49 min 53 s
